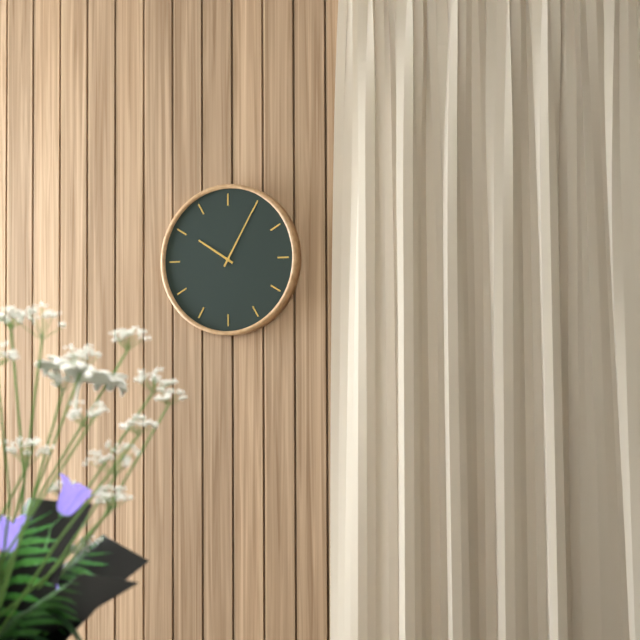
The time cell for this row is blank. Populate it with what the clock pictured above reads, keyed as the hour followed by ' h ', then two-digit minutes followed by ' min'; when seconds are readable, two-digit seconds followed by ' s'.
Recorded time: 10 h 05 min
